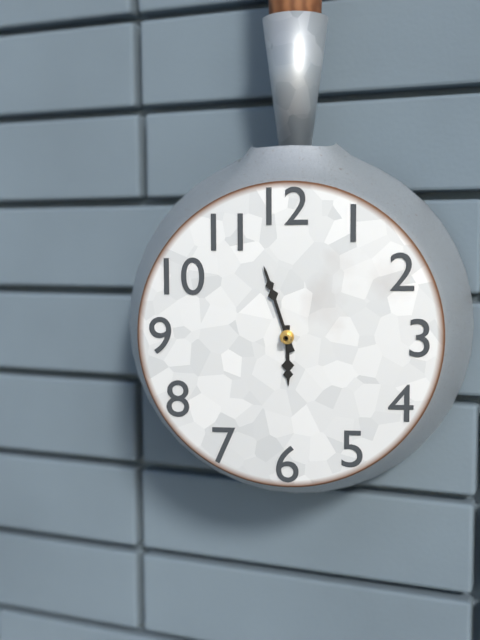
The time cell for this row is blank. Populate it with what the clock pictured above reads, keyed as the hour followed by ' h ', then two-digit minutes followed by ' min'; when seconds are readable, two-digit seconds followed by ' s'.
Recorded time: 5 h 57 min
